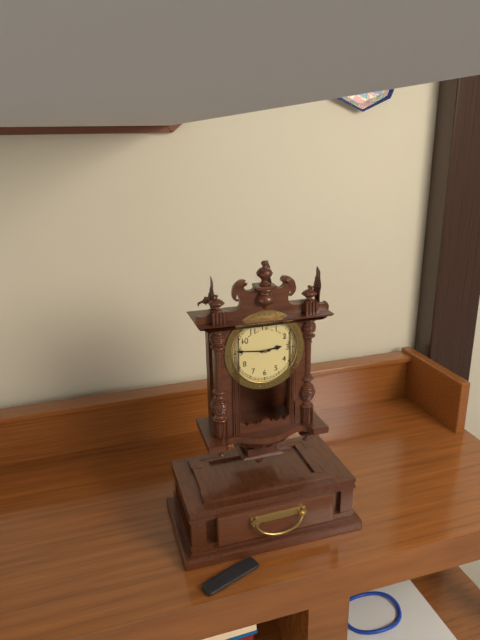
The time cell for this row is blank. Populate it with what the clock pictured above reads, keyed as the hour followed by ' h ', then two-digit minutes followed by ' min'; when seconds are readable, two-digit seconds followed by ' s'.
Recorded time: 2 h 46 min
